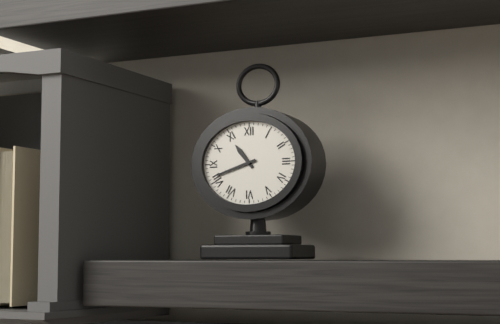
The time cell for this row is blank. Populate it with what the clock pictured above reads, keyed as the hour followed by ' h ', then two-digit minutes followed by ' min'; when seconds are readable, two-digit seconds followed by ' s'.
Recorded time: 10 h 42 min
